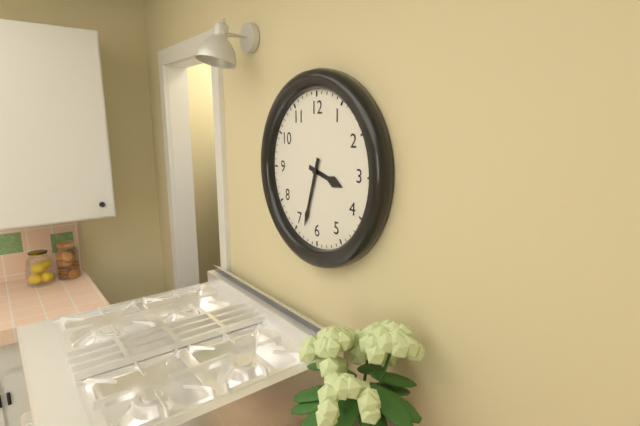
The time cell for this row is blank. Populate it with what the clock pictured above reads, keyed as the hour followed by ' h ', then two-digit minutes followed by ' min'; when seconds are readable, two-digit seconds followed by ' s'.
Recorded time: 3 h 33 min
